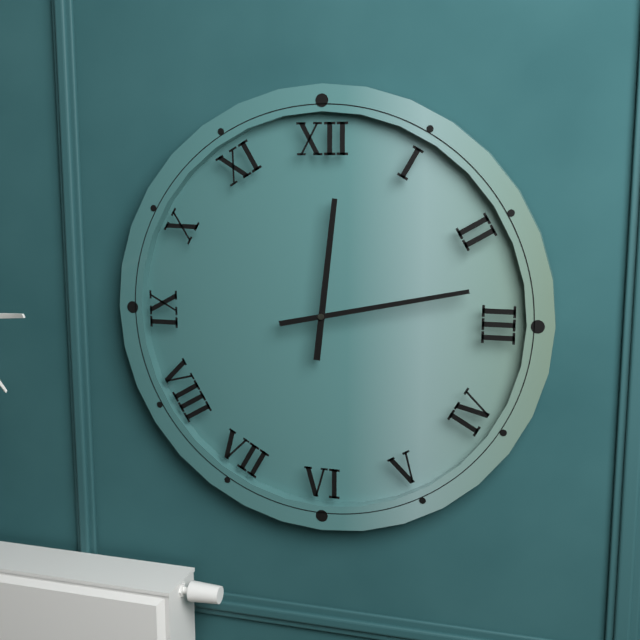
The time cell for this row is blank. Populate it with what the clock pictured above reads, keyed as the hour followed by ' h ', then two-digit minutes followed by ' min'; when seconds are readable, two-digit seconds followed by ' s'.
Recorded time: 12 h 13 min
